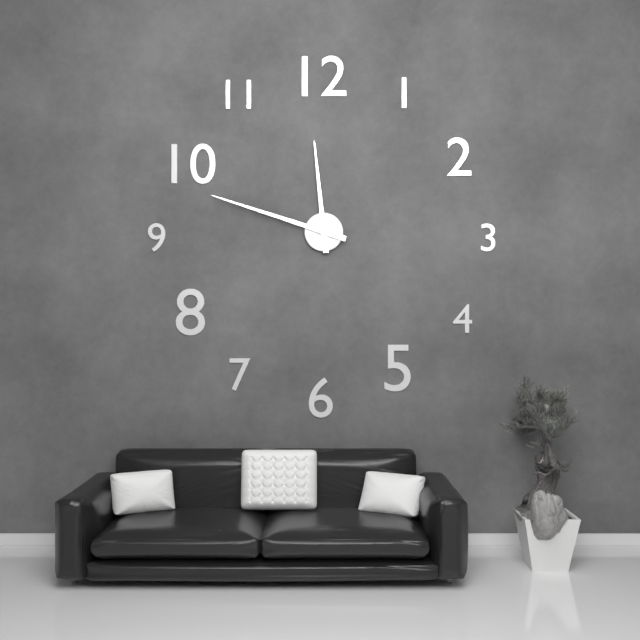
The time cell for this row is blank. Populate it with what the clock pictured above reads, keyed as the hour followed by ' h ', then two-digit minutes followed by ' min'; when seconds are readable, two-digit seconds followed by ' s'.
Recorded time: 11 h 48 min
